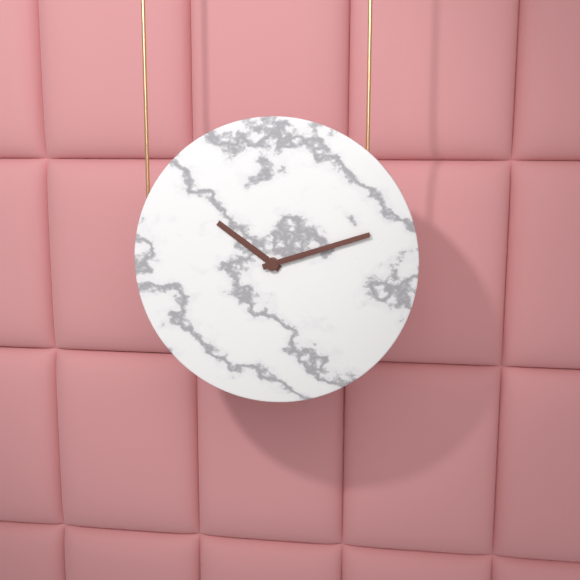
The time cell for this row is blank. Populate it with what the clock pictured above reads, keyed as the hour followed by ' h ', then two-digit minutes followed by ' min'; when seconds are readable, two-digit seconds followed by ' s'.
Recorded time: 10 h 12 min
